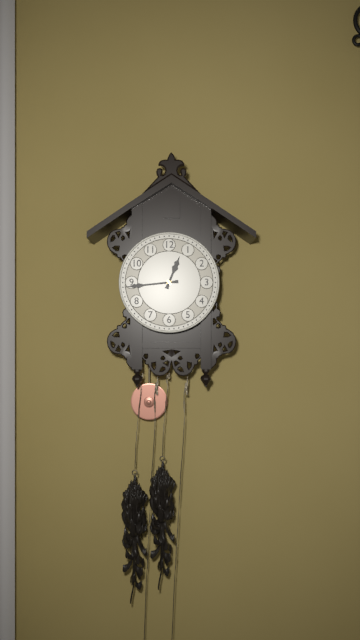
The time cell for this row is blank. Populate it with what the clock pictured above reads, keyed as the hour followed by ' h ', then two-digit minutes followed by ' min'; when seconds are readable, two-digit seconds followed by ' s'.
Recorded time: 12 h 44 min
